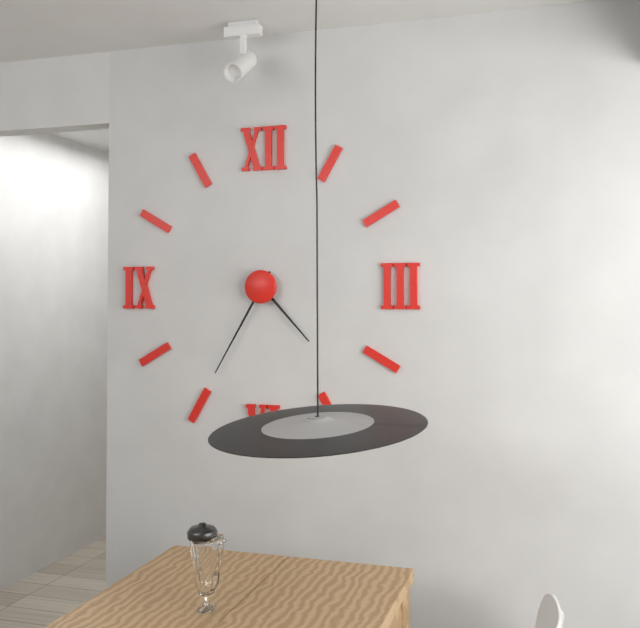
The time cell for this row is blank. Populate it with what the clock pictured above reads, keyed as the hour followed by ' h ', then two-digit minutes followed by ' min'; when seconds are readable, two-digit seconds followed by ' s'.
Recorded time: 4 h 35 min
